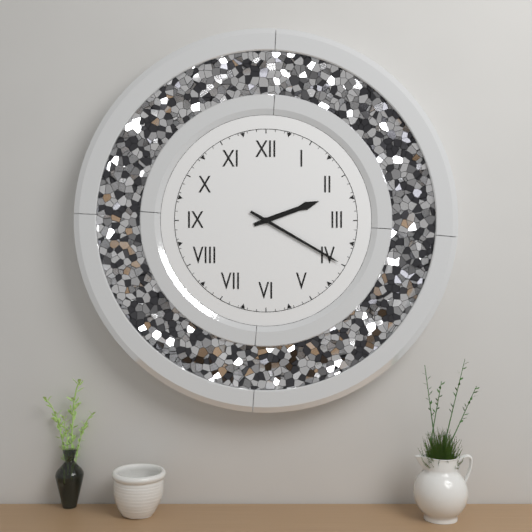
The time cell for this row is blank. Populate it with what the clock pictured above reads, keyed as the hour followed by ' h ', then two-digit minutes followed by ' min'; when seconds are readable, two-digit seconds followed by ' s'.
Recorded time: 2 h 20 min
